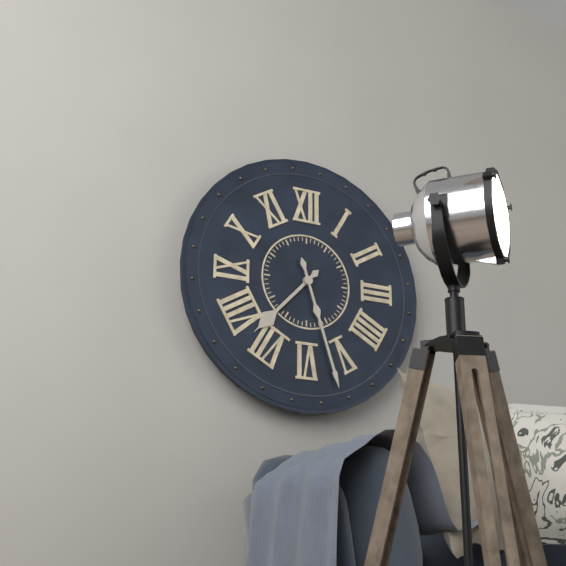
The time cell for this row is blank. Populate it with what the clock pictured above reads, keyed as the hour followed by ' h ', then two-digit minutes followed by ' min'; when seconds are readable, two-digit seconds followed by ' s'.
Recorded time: 7 h 27 min
